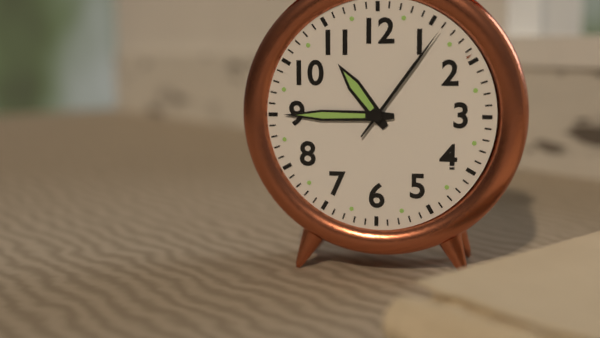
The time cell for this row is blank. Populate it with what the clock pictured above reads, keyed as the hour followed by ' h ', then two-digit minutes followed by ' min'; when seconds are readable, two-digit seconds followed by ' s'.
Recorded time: 10 h 45 min 06 s
